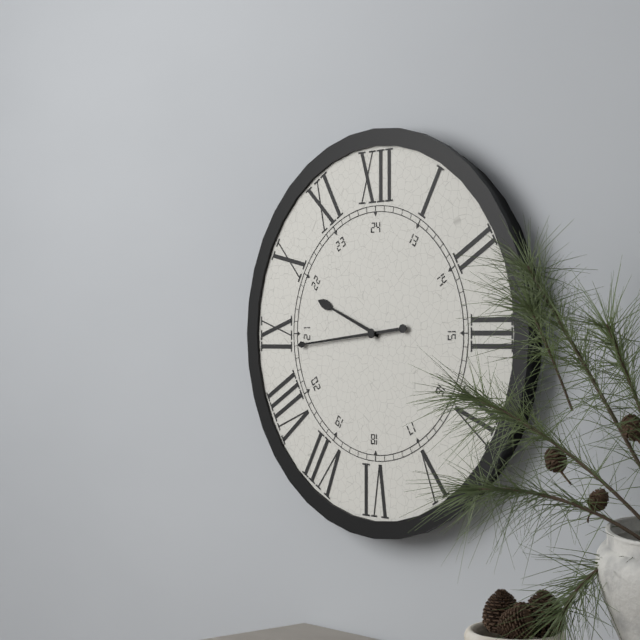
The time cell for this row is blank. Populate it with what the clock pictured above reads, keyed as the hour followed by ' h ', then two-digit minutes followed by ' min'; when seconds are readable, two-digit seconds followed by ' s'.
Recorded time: 9 h 44 min
